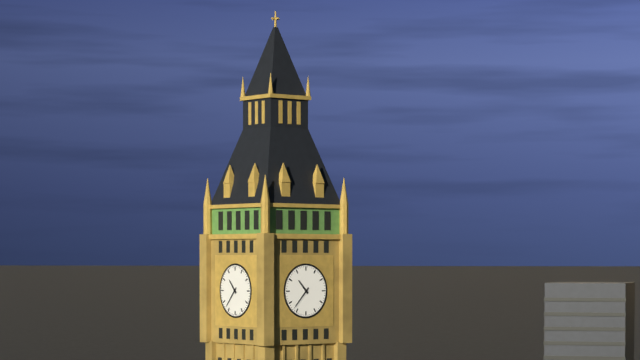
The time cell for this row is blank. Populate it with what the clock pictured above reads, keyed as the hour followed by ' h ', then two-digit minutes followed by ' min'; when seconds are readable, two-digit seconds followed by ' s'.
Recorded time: 10 h 37 min
